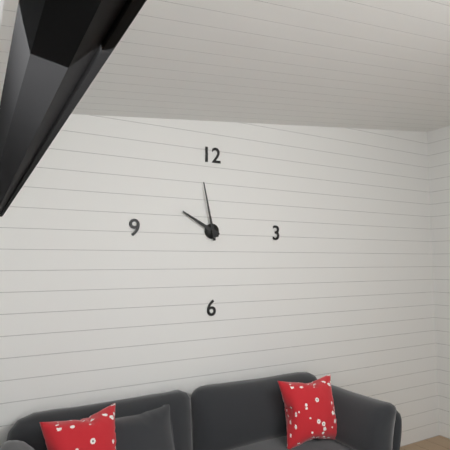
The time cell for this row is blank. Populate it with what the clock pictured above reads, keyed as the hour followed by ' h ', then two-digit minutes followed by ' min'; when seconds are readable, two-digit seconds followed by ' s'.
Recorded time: 9 h 58 min
